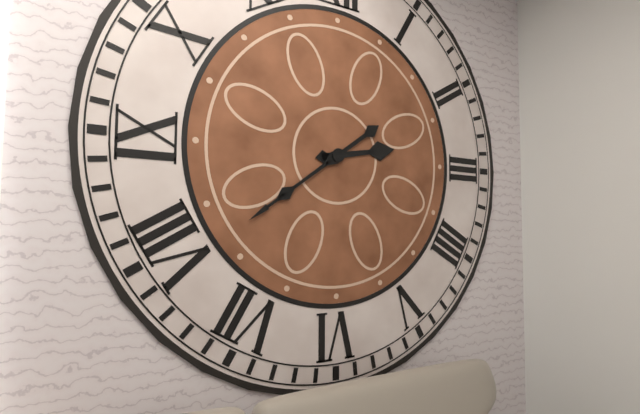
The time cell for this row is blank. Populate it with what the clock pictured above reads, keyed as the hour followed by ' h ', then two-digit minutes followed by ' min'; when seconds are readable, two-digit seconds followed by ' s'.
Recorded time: 2 h 39 min
